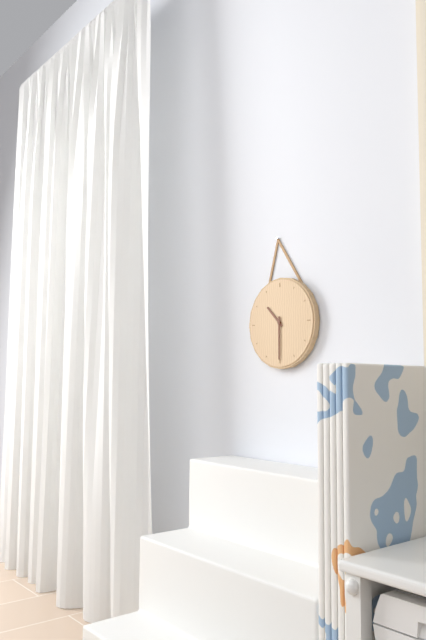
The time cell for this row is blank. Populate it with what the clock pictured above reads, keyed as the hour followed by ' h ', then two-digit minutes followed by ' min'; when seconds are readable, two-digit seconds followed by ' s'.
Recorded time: 10 h 30 min
